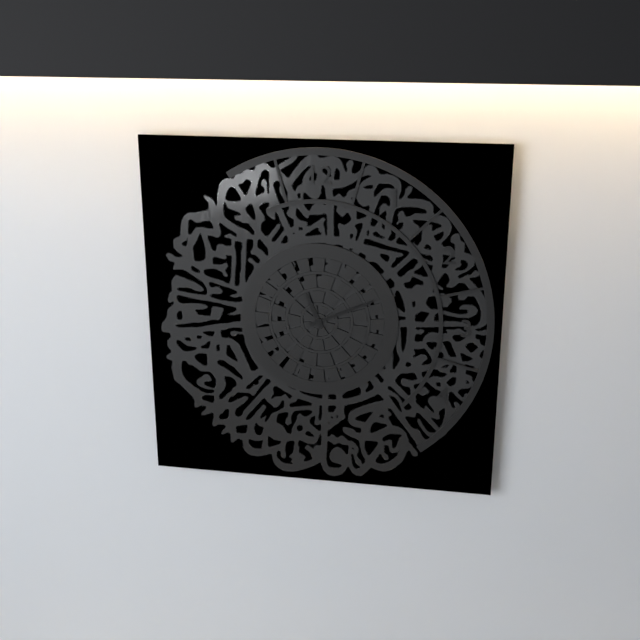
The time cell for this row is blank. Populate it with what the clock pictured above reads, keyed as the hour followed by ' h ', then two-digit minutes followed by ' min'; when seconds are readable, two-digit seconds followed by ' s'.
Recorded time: 11 h 11 min
